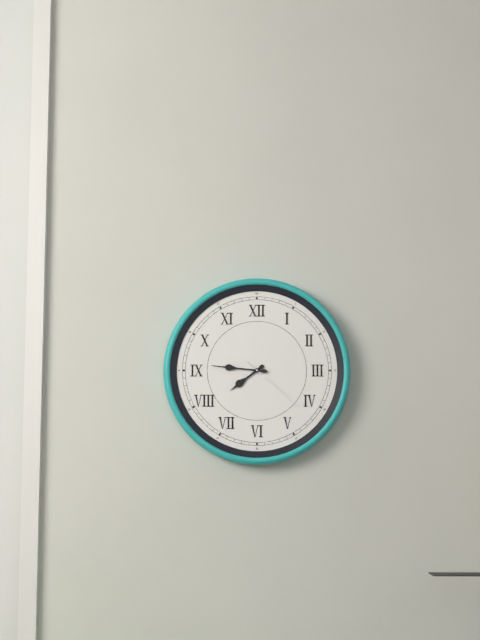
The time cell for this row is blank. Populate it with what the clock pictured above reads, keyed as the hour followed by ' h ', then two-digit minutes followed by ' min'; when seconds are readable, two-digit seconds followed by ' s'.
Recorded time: 7 h 46 min 22 s
